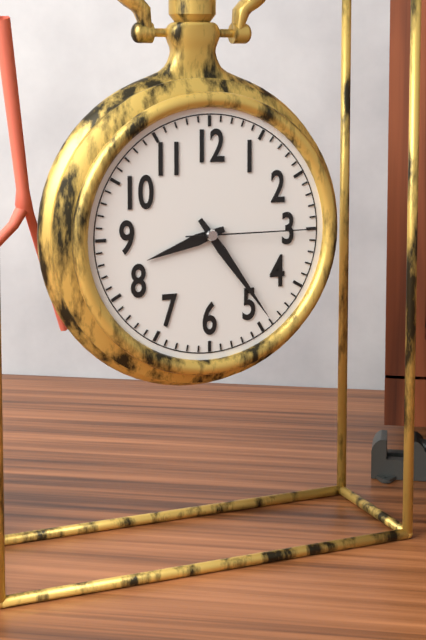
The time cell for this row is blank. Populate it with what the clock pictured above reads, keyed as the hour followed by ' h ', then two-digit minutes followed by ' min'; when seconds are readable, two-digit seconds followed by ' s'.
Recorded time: 8 h 24 min 15 s
